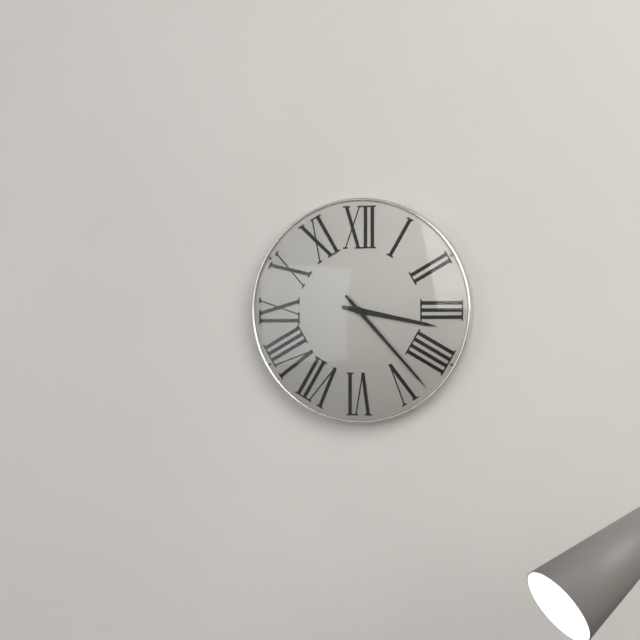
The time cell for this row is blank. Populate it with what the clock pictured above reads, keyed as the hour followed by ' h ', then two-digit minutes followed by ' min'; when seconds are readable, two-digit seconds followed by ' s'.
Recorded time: 3 h 23 min
